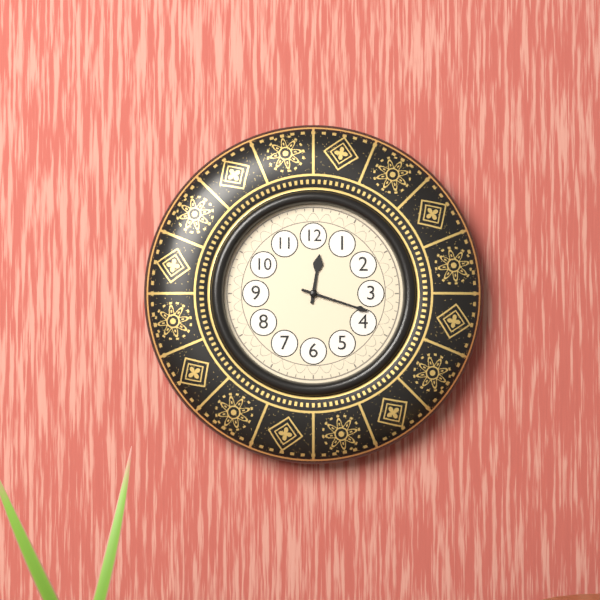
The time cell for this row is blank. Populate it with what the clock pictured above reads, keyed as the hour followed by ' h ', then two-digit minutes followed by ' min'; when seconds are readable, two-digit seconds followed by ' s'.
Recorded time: 12 h 18 min
